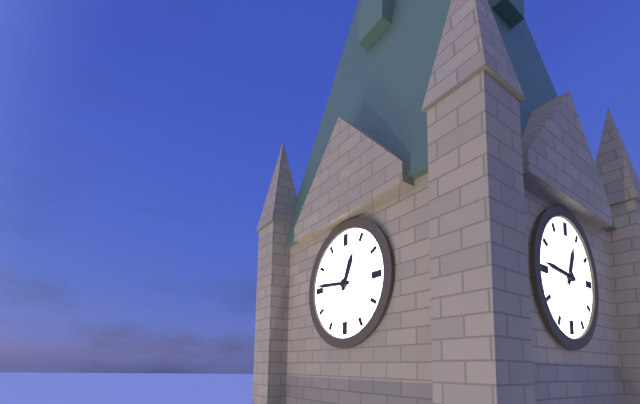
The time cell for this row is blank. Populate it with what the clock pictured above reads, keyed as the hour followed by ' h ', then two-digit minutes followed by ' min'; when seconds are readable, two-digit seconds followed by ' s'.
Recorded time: 12 h 46 min
